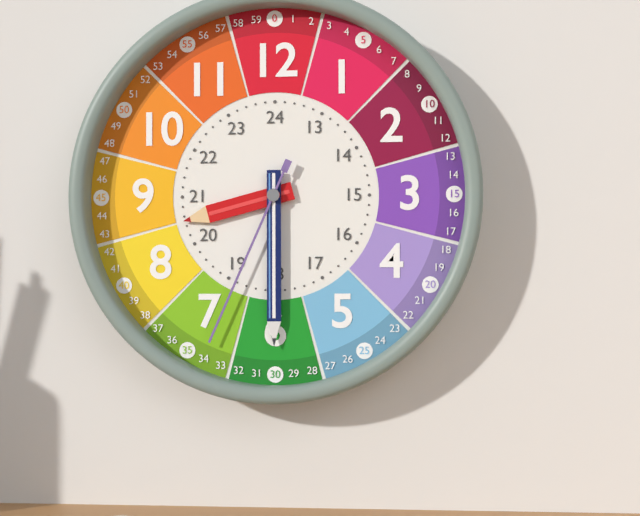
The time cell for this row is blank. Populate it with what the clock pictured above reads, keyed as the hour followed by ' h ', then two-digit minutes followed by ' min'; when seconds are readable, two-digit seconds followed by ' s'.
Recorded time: 8 h 30 min 34 s
